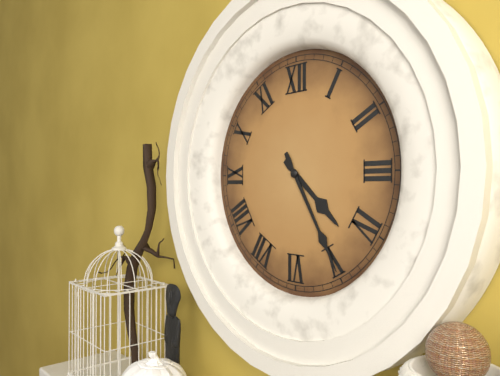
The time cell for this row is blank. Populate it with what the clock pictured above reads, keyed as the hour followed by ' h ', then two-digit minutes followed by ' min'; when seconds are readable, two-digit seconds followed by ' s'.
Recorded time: 4 h 25 min
